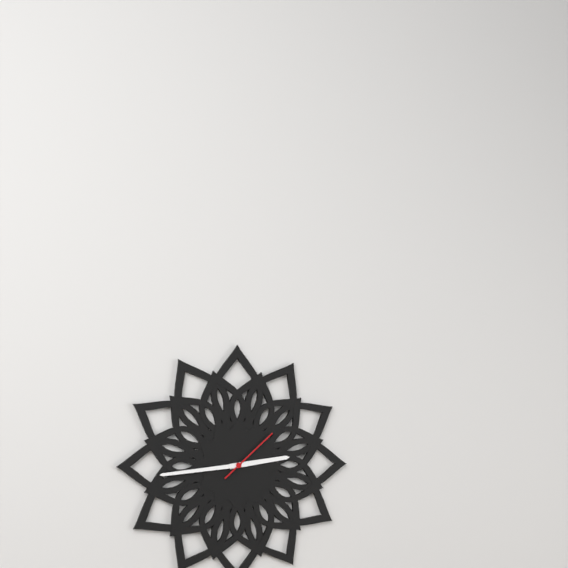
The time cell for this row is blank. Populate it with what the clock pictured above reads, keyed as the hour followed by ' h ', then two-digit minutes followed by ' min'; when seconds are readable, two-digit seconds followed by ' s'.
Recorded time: 2 h 44 min 08 s
